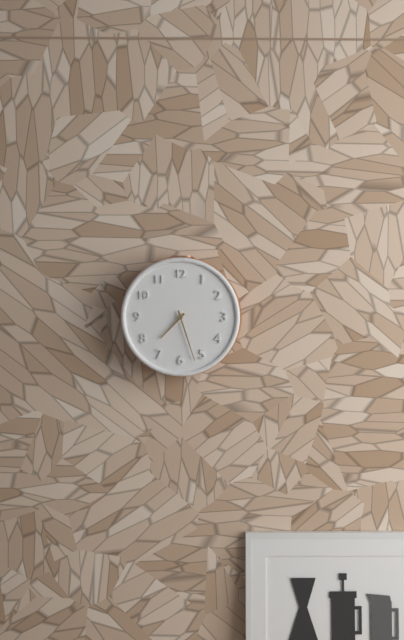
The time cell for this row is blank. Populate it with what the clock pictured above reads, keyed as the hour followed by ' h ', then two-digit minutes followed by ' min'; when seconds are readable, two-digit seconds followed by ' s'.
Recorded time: 7 h 27 min
